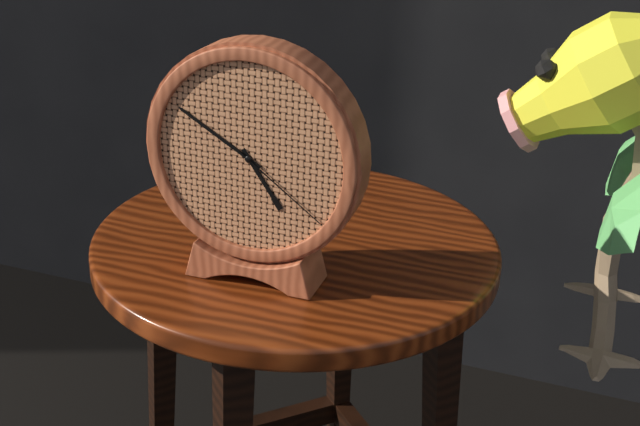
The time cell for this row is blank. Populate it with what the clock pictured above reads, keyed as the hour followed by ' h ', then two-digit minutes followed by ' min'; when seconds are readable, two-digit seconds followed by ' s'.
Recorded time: 4 h 50 min 21 s
